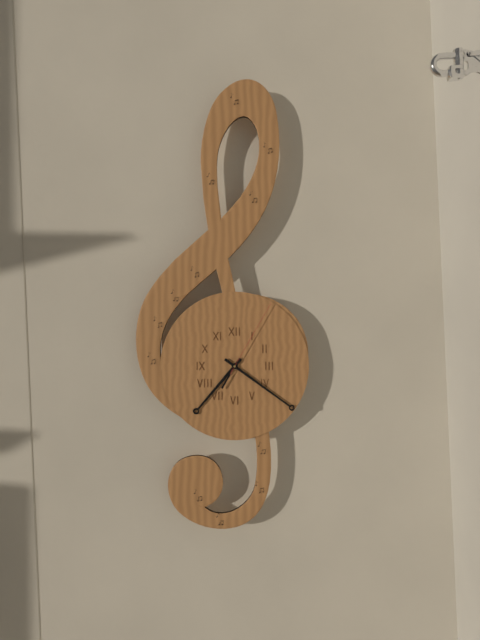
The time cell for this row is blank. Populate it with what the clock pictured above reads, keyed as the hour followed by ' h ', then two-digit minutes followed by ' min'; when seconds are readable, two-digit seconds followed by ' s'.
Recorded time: 7 h 21 min 05 s
